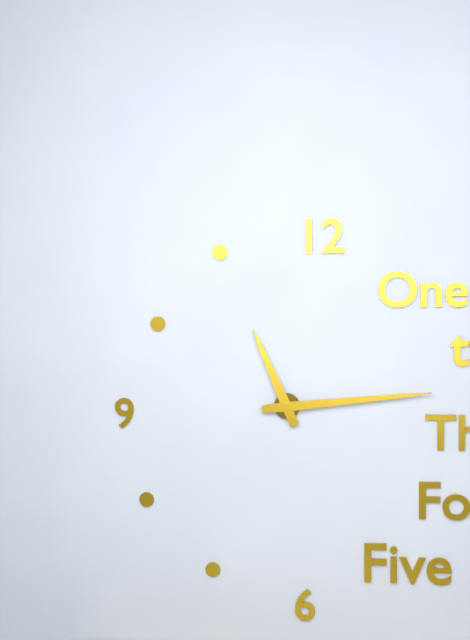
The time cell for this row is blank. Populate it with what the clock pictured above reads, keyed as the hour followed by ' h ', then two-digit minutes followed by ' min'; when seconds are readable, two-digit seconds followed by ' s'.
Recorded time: 11 h 14 min
